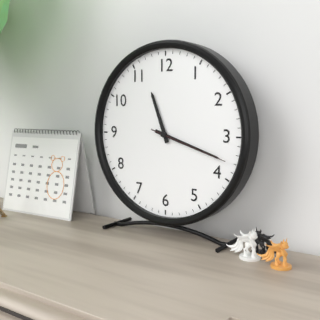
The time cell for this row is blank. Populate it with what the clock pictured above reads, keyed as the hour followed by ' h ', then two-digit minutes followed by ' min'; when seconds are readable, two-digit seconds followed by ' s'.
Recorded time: 11 h 18 min 18 s
